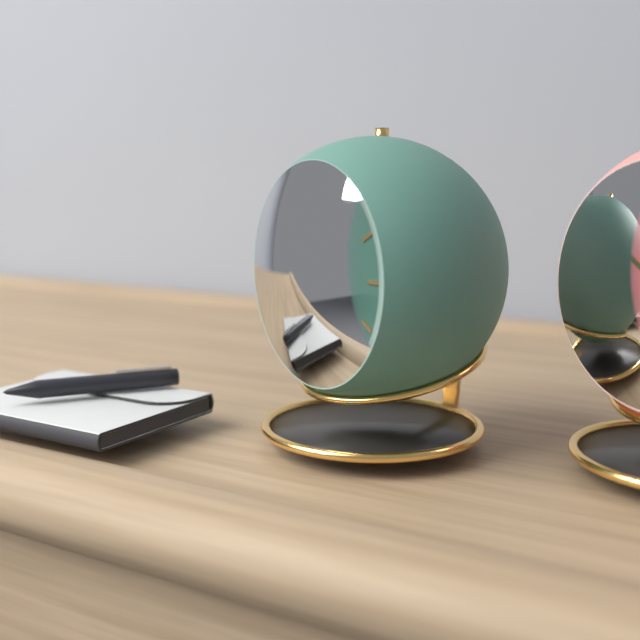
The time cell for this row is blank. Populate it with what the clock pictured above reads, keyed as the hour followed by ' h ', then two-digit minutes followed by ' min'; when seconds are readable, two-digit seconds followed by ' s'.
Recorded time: 11 h 48 min 54 s
